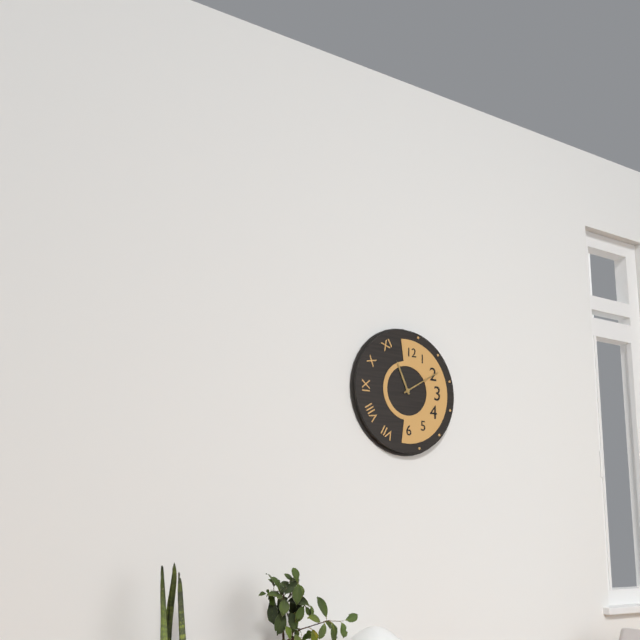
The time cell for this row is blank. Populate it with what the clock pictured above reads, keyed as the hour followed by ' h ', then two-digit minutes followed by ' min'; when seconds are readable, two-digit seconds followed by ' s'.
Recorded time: 11 h 10 min
